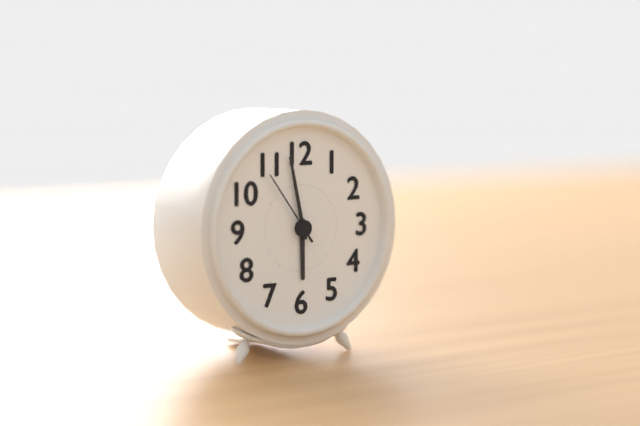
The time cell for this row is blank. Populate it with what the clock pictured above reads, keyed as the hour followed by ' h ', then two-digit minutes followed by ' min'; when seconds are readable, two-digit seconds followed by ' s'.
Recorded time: 5 h 58 min 54 s
